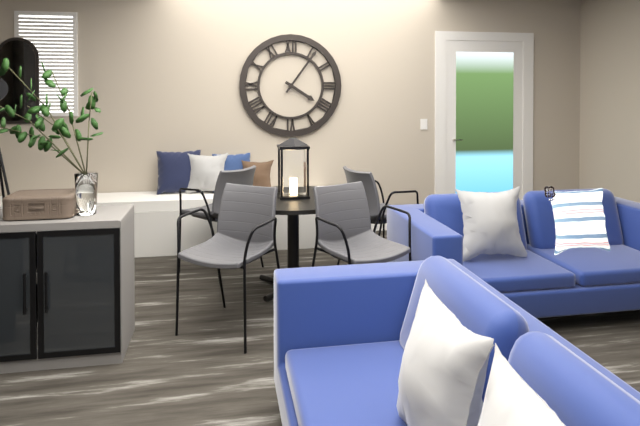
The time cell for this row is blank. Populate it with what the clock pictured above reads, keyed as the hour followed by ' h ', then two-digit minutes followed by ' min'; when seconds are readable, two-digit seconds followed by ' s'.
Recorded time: 4 h 06 min
